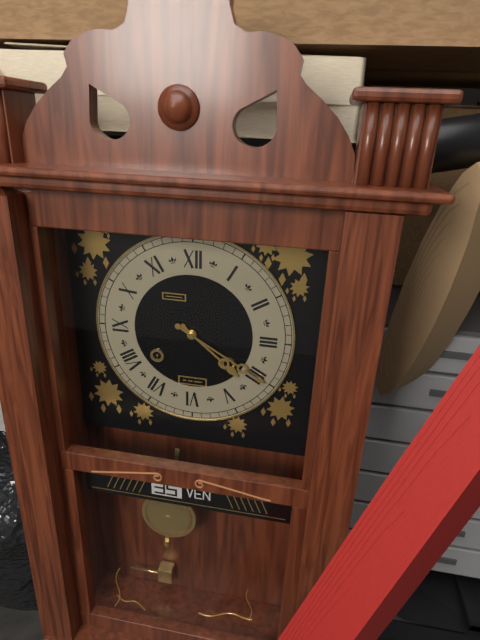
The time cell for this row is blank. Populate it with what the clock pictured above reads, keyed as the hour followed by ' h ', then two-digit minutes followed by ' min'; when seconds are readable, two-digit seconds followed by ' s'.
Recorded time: 4 h 20 min
